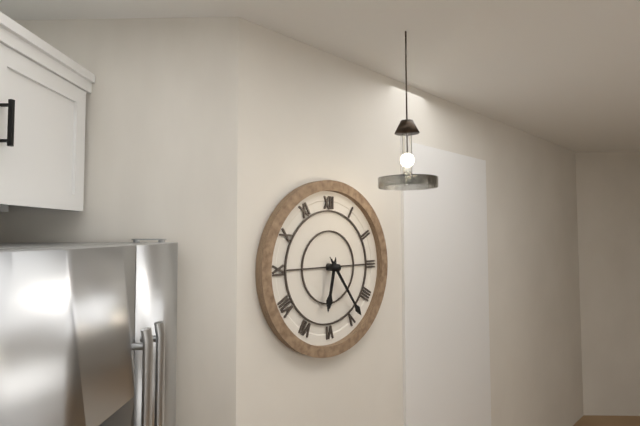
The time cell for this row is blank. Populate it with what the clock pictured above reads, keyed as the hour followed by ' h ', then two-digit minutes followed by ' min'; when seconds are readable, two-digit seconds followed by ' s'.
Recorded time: 6 h 24 min
